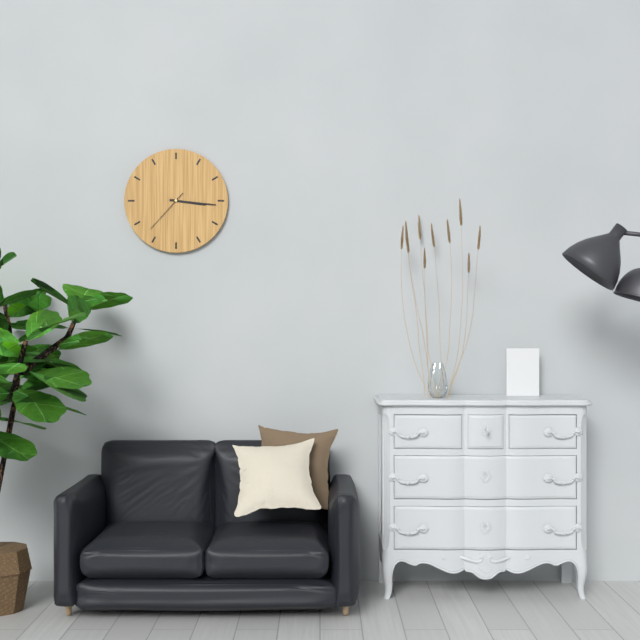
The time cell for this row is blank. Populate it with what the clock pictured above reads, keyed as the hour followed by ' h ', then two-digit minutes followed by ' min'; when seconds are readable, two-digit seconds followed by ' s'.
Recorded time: 3 h 16 min
